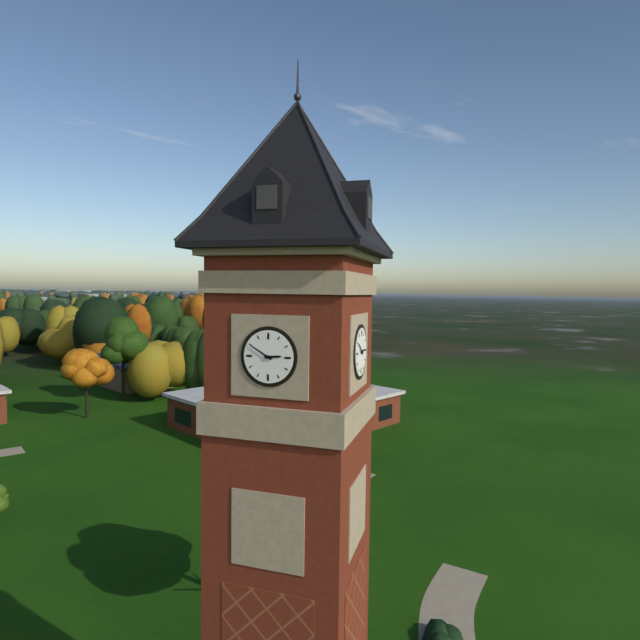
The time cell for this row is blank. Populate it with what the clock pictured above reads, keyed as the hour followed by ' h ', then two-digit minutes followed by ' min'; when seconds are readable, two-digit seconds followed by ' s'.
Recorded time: 2 h 50 min
